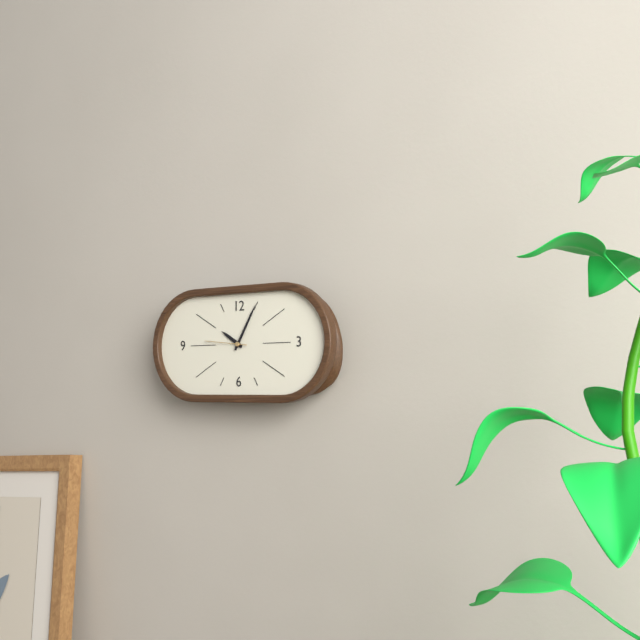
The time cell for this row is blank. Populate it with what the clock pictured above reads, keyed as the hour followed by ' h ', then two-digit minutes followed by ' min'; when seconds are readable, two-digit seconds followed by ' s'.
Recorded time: 10 h 05 min
